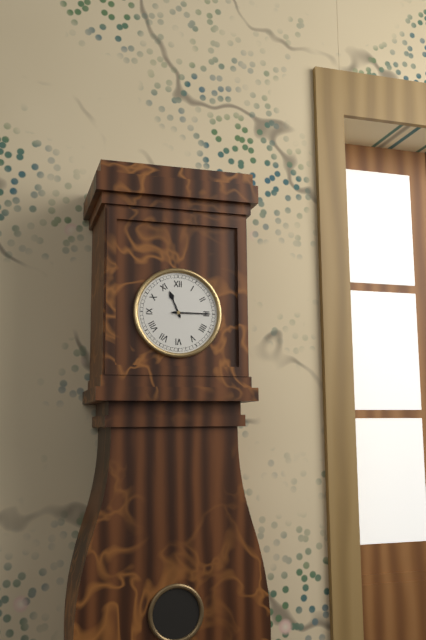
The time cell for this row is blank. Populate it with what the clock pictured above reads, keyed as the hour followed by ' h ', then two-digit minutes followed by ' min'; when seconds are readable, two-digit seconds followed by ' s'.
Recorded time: 11 h 15 min
